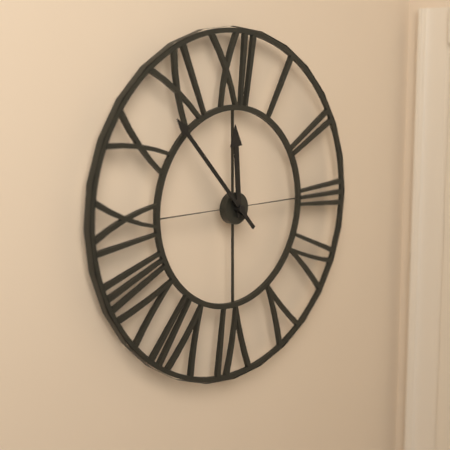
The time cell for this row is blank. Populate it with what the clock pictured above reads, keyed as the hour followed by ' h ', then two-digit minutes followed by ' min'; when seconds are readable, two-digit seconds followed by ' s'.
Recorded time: 11 h 53 min
